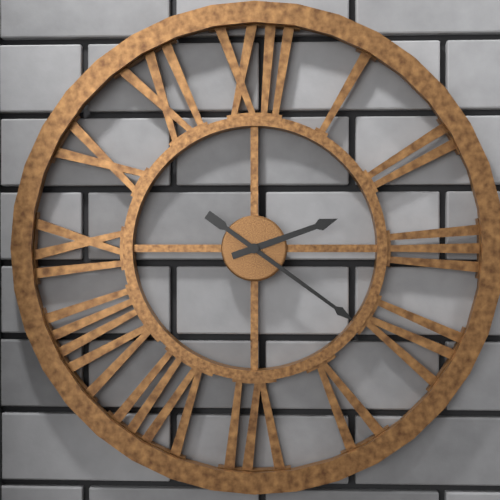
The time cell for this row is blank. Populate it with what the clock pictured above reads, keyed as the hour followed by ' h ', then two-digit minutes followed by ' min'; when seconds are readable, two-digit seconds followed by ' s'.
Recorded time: 2 h 21 min
